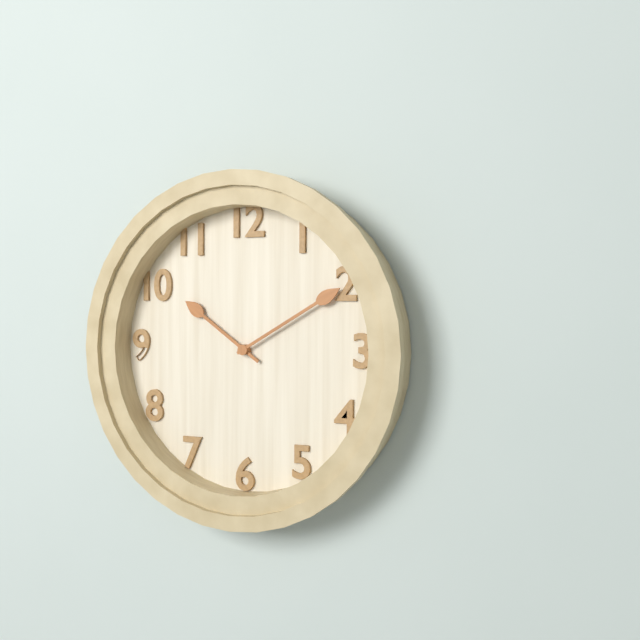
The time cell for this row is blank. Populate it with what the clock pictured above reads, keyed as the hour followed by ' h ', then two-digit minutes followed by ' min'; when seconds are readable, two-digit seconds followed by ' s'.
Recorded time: 10 h 10 min
